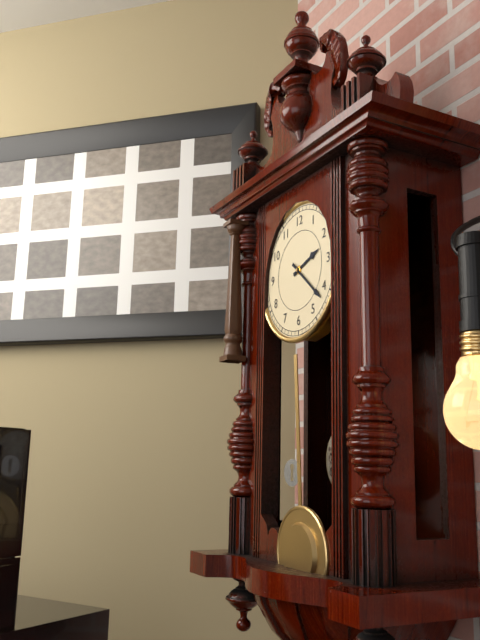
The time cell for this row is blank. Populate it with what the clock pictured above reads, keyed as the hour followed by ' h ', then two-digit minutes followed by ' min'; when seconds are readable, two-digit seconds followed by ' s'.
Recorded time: 2 h 22 min
